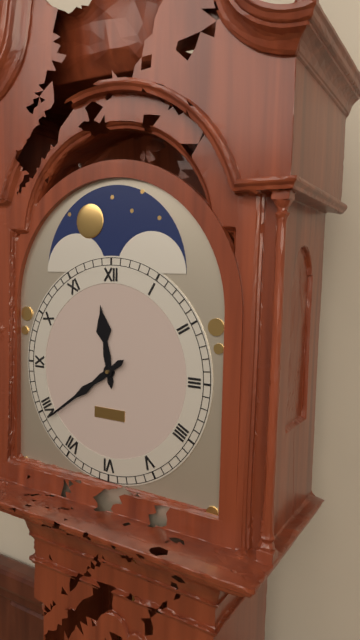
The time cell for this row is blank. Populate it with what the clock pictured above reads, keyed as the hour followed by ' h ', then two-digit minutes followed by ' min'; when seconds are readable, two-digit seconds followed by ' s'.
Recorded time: 11 h 39 min
